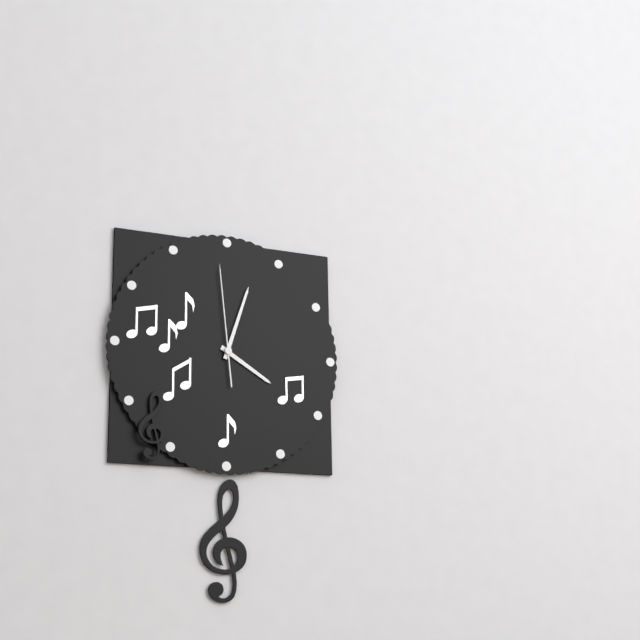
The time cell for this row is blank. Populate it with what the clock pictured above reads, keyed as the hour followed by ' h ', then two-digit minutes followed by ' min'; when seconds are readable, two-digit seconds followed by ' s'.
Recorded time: 4 h 03 min 59 s
